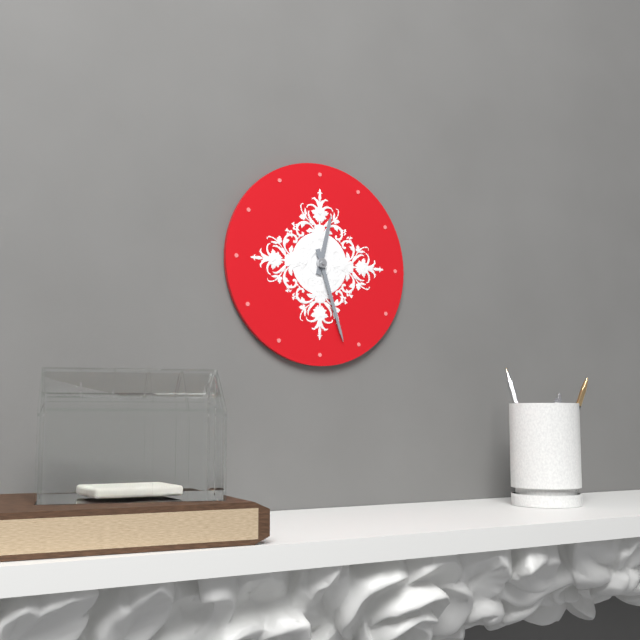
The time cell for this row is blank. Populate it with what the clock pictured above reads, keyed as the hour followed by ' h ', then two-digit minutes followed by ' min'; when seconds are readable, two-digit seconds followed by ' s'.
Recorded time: 12 h 27 min
